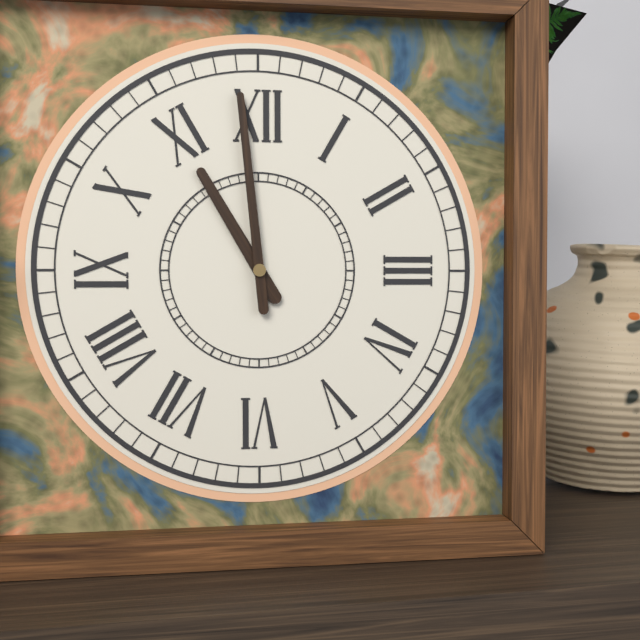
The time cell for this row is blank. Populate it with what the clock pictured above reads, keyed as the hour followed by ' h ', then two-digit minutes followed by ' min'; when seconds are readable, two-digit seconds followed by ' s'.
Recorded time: 10 h 59 min
